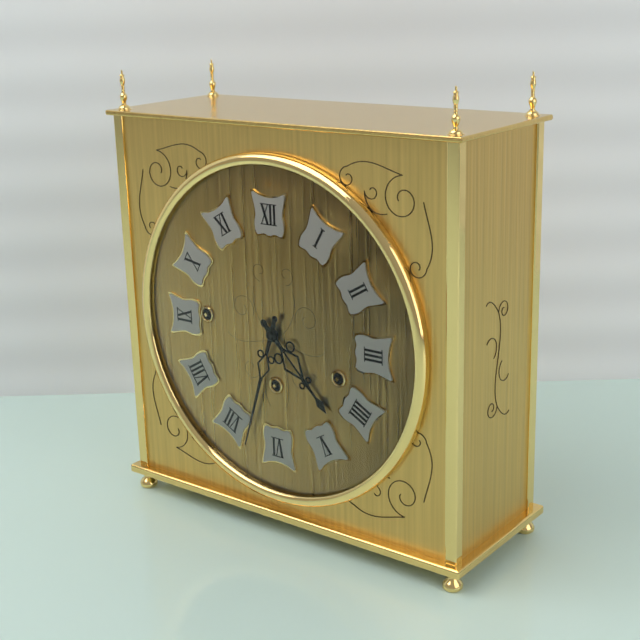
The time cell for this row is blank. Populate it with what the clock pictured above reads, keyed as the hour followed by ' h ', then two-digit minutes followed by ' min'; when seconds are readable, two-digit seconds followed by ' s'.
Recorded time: 4 h 33 min
